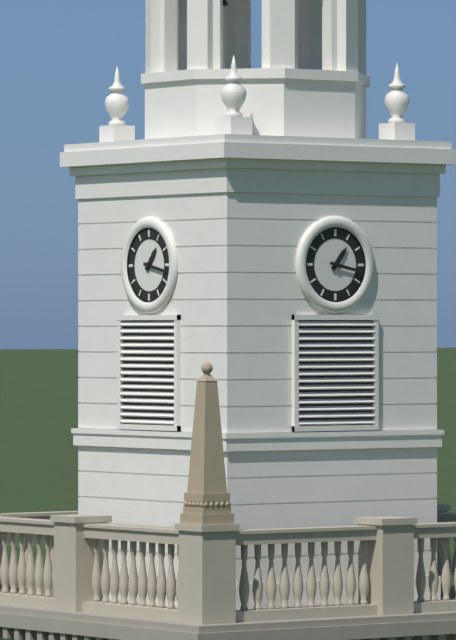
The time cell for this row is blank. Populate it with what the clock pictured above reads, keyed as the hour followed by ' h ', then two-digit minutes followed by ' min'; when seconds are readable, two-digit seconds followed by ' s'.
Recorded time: 1 h 17 min
